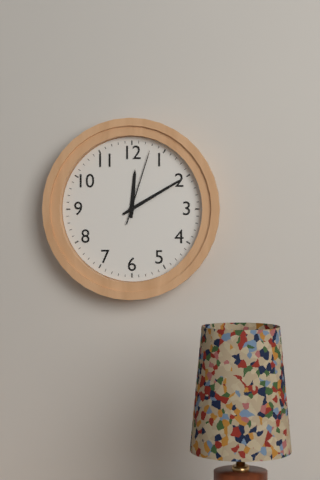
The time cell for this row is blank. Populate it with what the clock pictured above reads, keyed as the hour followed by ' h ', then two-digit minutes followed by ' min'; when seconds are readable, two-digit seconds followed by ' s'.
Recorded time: 12 h 10 min 03 s
